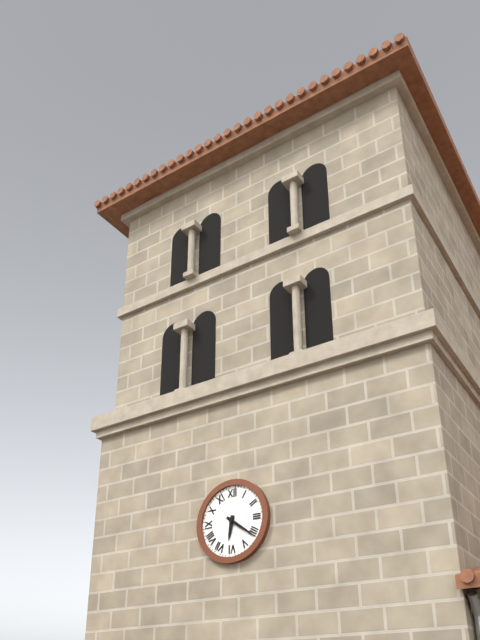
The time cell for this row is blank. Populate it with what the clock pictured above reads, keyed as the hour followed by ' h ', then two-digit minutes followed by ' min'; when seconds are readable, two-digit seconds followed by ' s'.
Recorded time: 6 h 21 min
